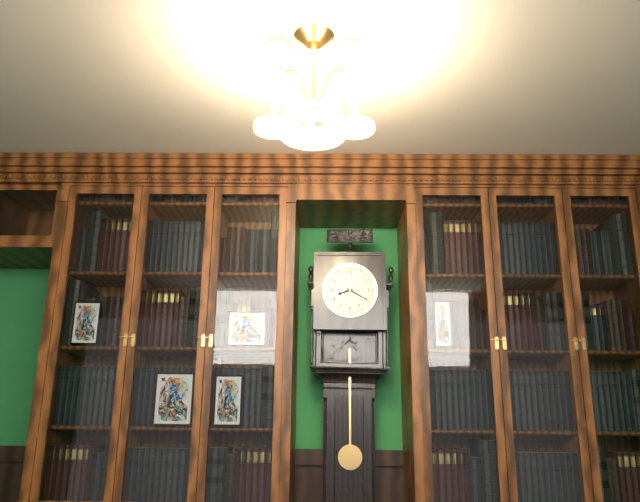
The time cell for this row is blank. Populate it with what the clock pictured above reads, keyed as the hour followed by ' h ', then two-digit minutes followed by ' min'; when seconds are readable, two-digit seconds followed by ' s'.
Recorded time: 8 h 20 min
